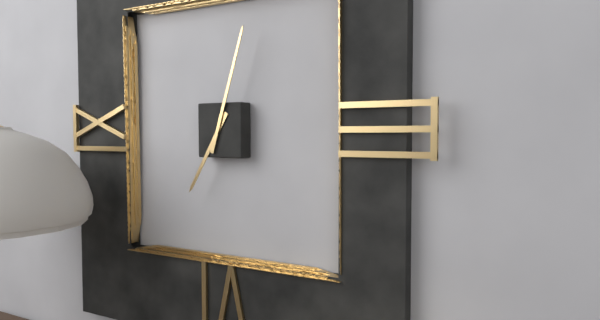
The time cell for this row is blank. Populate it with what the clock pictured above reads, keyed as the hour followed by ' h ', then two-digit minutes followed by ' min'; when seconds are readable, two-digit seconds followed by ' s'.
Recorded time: 7 h 03 min
